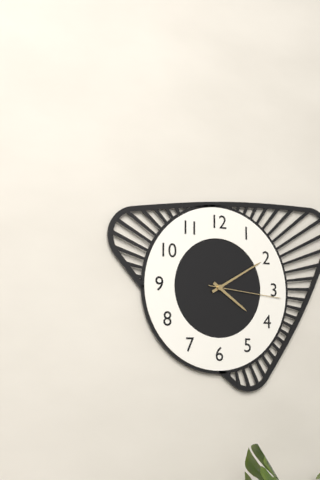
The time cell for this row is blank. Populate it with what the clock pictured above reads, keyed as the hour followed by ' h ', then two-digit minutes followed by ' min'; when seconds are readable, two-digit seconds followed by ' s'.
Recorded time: 4 h 10 min 16 s
